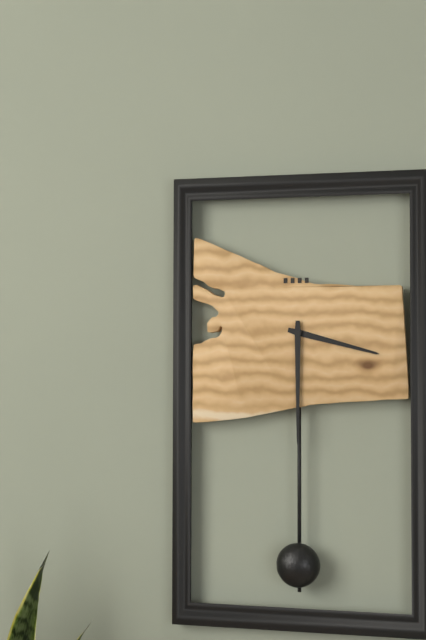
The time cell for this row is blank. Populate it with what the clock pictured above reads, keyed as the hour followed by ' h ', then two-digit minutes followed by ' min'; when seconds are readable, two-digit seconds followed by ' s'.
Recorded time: 3 h 30 min
